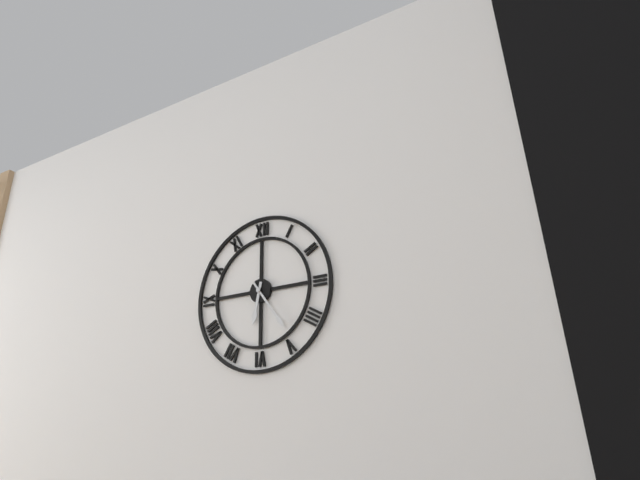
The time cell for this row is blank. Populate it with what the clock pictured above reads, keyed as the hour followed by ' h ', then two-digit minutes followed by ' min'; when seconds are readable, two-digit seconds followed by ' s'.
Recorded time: 6 h 24 min
